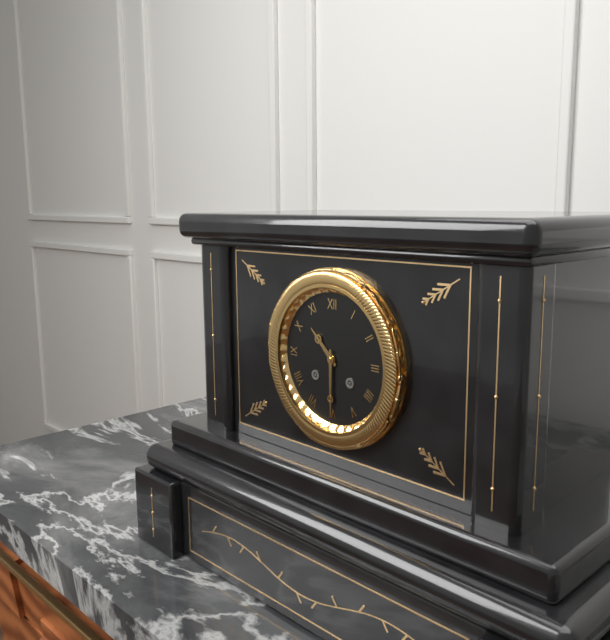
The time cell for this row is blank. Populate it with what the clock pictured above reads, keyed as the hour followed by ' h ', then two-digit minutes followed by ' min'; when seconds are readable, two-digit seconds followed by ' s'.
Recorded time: 10 h 30 min
